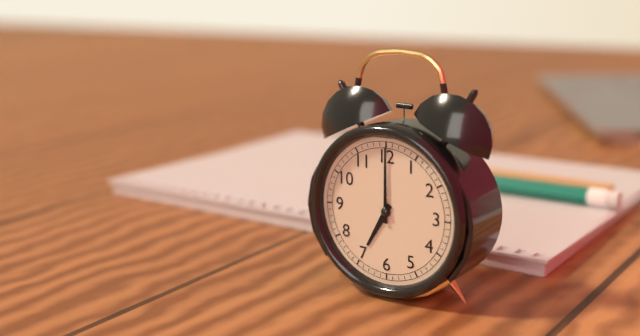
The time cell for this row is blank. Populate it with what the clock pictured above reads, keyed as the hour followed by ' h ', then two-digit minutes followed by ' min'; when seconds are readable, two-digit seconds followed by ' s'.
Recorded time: 7 h 00 min
